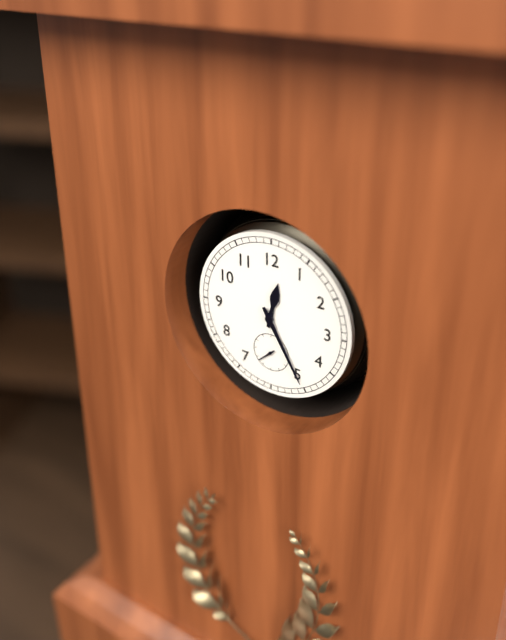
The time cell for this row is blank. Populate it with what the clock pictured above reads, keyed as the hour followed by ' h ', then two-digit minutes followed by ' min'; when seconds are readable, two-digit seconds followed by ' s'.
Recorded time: 12 h 25 min
